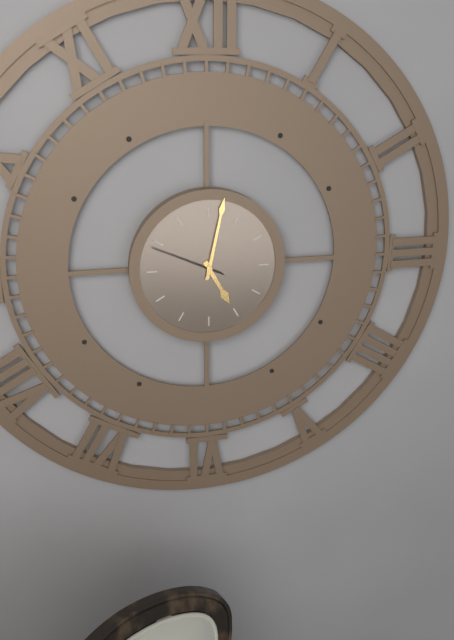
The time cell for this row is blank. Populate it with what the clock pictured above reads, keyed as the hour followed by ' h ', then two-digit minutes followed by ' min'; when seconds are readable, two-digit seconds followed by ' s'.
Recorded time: 5 h 02 min 49 s
